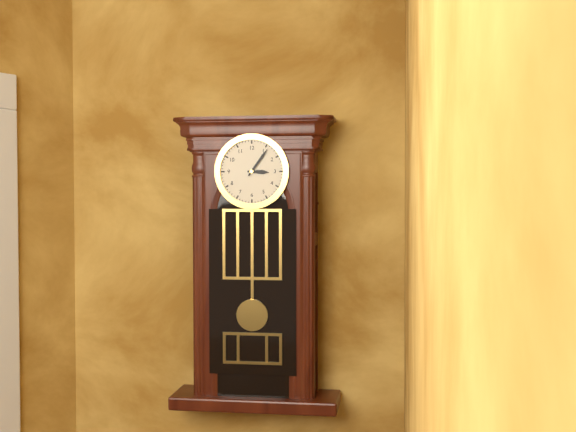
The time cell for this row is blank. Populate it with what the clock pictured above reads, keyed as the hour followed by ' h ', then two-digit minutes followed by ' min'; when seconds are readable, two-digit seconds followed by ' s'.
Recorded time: 3 h 06 min
